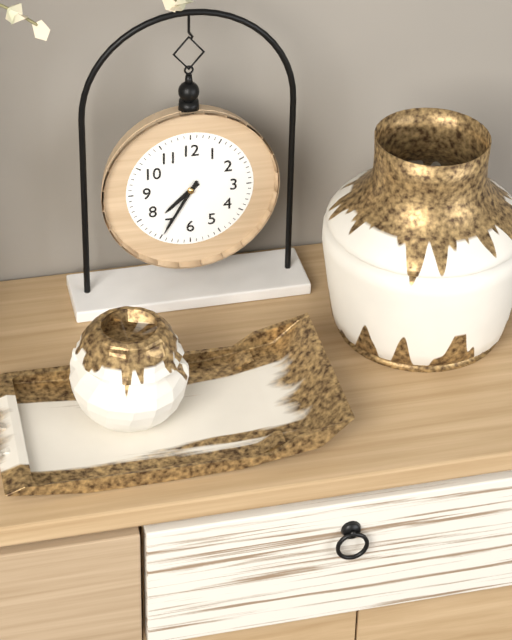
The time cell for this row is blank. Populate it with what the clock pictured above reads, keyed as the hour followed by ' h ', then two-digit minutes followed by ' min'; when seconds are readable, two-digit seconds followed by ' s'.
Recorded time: 7 h 35 min
